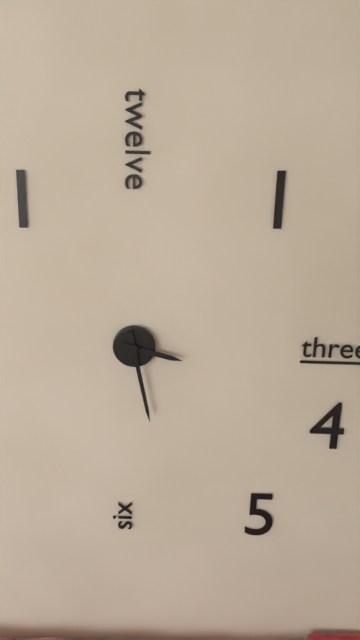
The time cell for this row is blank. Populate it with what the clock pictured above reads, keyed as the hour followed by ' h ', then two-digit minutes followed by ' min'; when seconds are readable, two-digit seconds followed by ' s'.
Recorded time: 3 h 28 min
